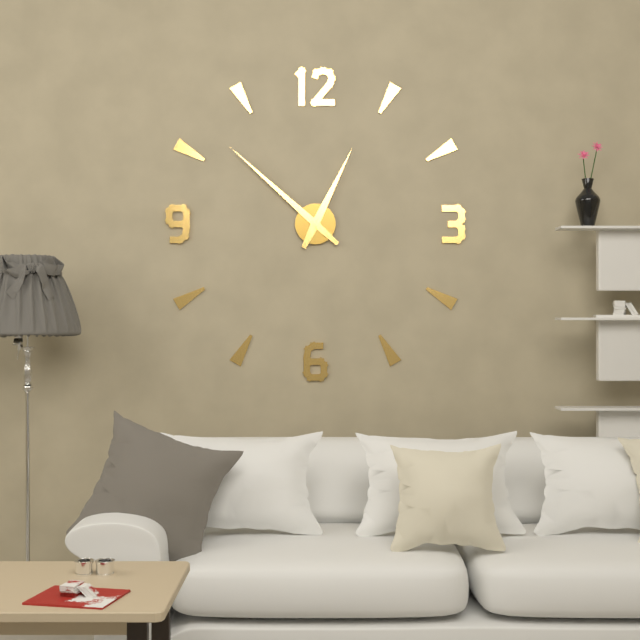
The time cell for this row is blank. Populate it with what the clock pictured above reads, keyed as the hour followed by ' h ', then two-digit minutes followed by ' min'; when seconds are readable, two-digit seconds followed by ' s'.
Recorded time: 12 h 52 min
